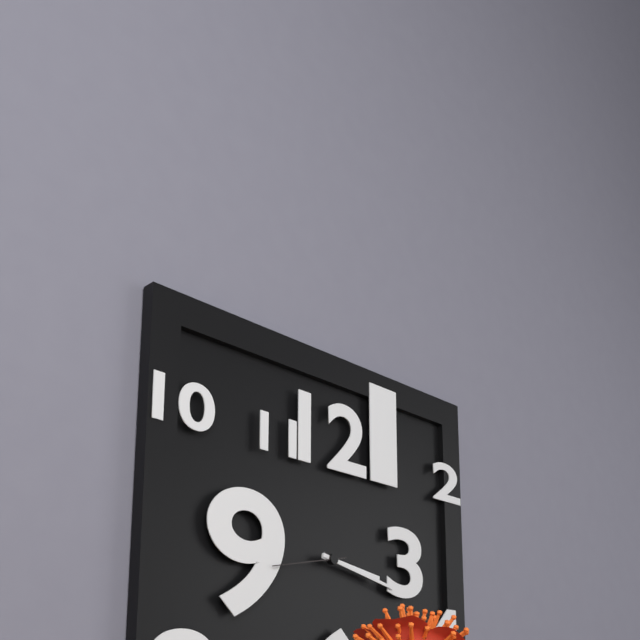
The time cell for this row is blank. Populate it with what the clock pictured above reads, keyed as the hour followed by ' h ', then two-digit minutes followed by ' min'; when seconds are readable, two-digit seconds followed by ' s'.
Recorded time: 3 h 17 min 43 s
